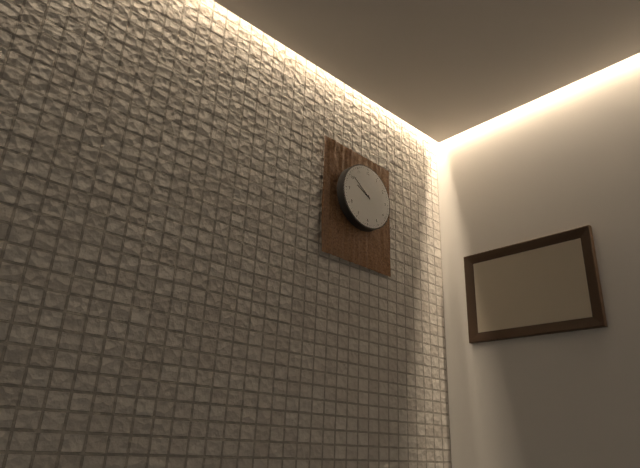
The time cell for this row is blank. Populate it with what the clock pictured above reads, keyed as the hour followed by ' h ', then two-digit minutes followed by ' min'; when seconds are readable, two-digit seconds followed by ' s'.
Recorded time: 9 h 51 min
